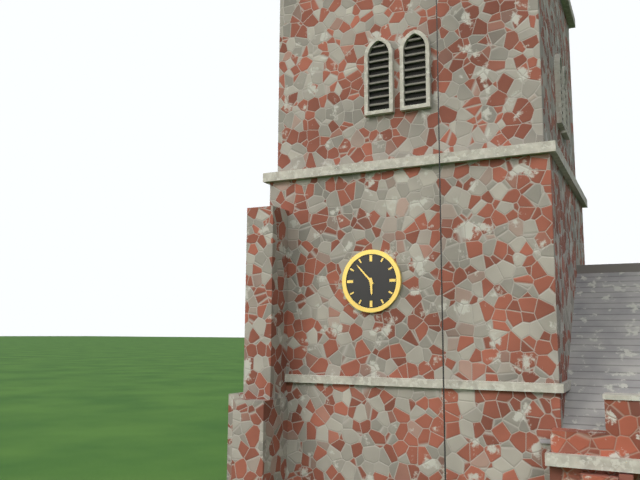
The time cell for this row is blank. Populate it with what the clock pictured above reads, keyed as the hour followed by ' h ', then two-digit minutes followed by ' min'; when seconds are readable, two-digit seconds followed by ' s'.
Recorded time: 5 h 53 min
